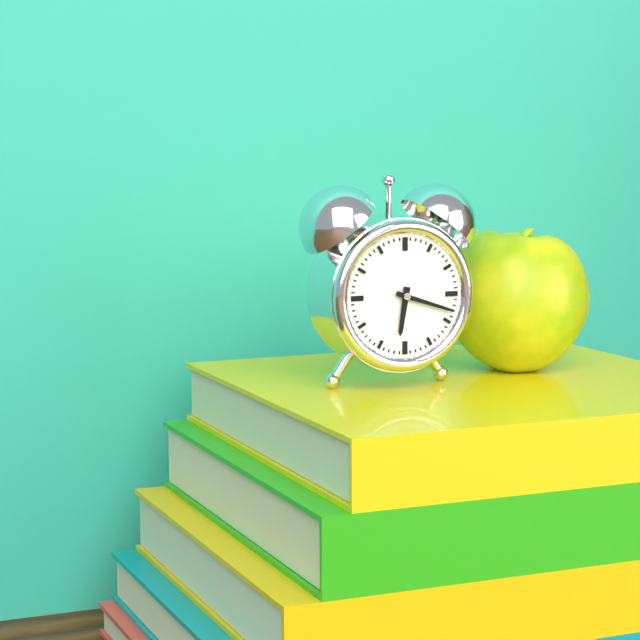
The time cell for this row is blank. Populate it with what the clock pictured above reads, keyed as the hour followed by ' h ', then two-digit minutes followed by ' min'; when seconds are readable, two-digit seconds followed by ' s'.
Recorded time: 6 h 18 min
